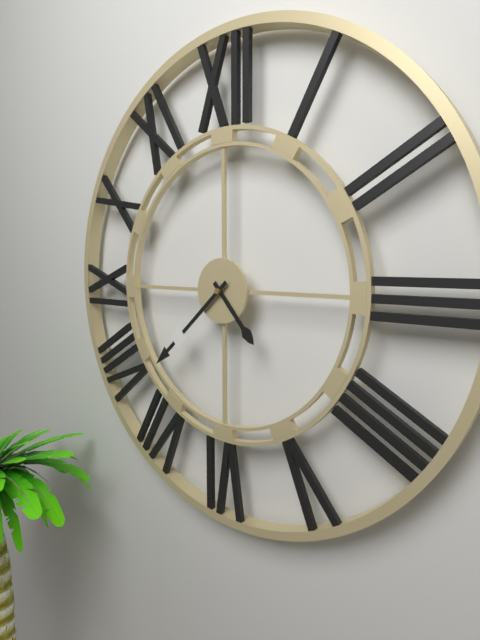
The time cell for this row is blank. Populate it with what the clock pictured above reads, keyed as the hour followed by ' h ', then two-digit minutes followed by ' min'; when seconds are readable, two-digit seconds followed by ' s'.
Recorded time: 4 h 38 min
